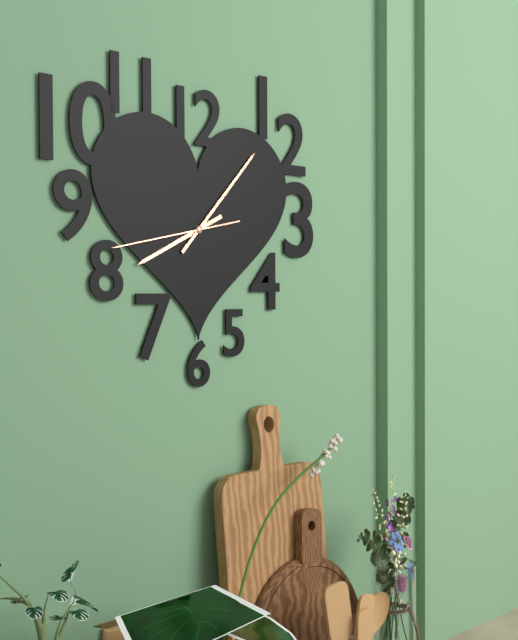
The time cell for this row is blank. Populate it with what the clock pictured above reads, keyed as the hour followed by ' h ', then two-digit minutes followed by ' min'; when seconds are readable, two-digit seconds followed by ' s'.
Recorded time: 8 h 07 min 43 s
